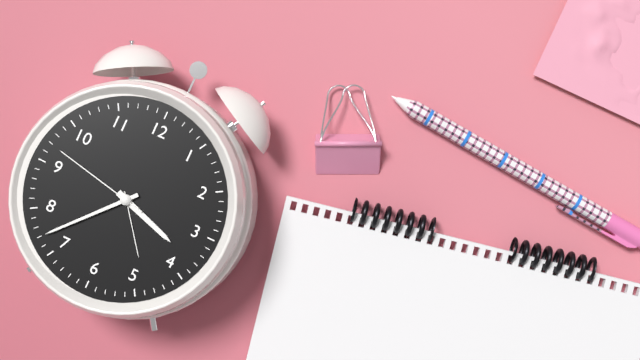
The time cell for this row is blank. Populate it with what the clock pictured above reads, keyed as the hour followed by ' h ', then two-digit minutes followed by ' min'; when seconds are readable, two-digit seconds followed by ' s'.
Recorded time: 3 h 37 min 47 s
